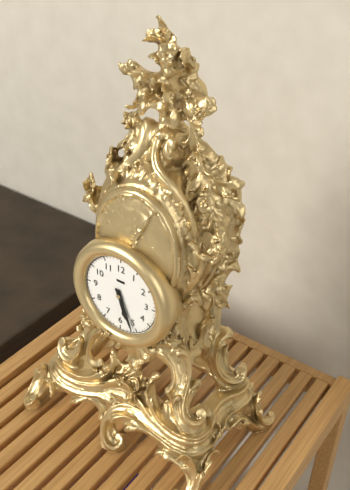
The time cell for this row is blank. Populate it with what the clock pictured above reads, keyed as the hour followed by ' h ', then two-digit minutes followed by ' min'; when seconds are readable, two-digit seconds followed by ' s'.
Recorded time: 5 h 26 min
